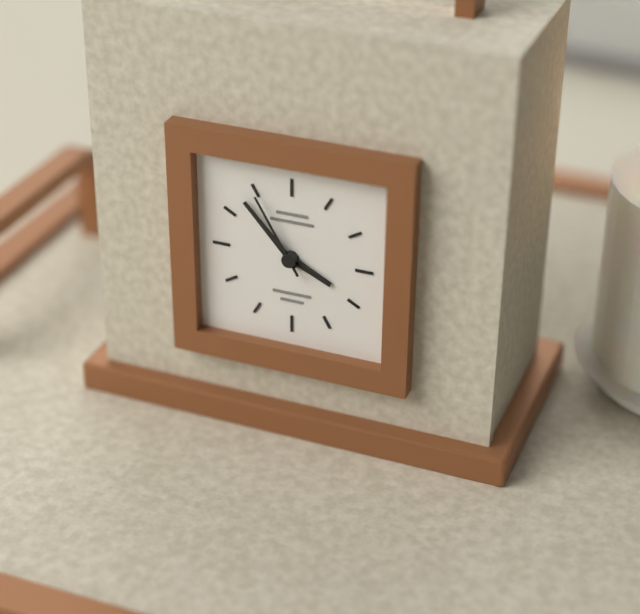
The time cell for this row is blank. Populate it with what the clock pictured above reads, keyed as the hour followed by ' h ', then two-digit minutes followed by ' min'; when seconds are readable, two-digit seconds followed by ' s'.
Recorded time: 3 h 53 min 55 s
